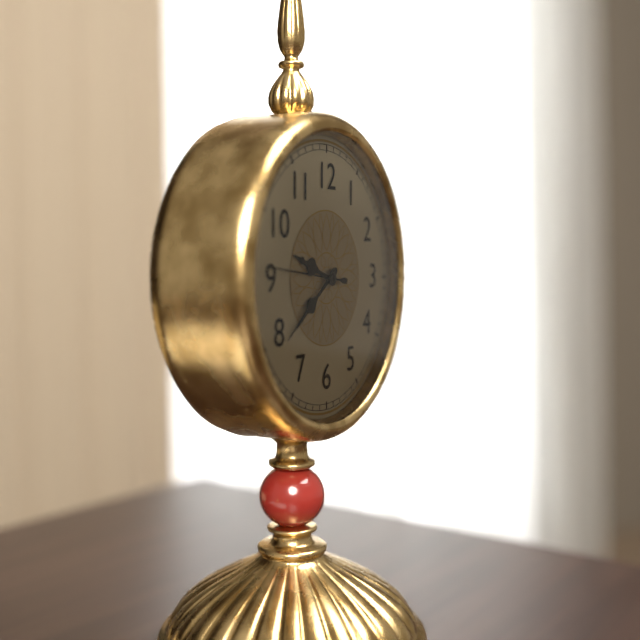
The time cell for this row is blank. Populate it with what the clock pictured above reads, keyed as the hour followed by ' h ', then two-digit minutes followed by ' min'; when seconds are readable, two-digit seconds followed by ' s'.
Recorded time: 9 h 39 min 46 s
